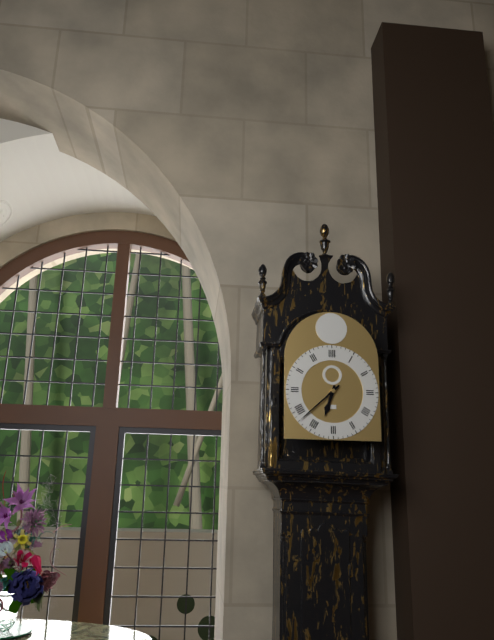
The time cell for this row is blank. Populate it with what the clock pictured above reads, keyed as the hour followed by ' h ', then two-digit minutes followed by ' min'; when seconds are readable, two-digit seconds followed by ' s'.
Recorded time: 6 h 38 min
